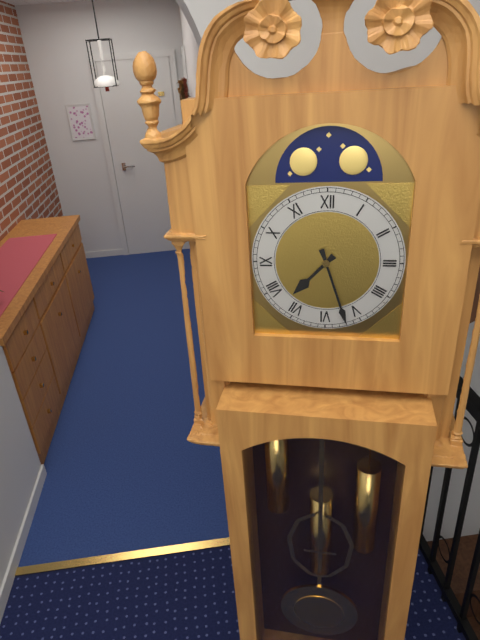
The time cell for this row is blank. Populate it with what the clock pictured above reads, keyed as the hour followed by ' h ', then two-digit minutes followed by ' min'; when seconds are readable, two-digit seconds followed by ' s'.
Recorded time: 7 h 27 min
